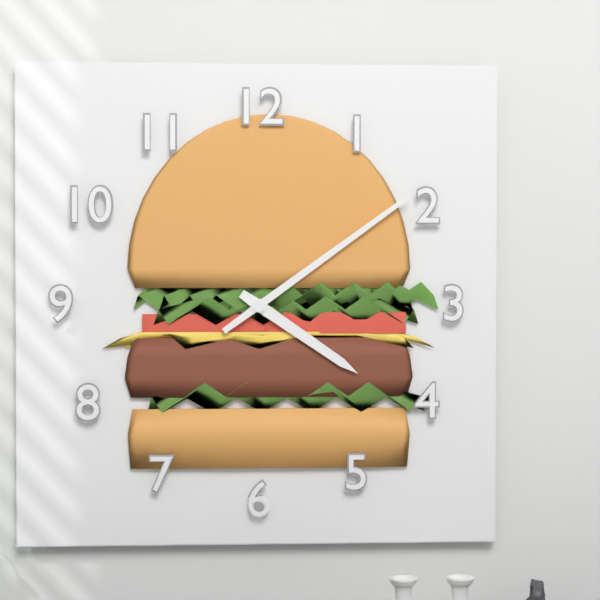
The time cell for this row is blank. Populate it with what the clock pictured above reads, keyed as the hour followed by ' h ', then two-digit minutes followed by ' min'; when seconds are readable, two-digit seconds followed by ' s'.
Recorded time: 4 h 09 min
